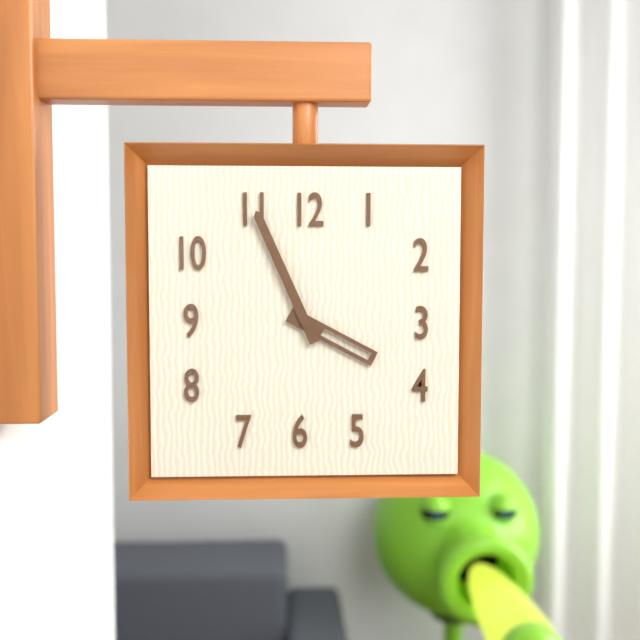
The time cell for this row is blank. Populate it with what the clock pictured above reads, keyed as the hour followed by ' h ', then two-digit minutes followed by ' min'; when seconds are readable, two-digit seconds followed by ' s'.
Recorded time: 3 h 56 min
